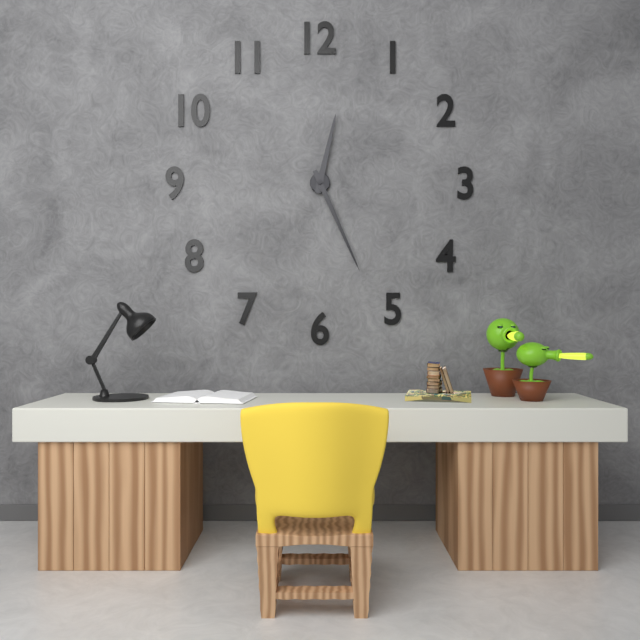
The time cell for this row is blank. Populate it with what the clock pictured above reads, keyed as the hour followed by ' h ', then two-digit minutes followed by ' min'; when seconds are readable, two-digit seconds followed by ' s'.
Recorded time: 12 h 26 min
